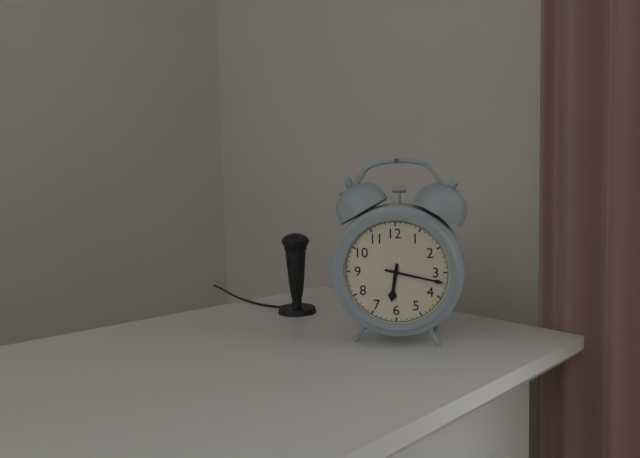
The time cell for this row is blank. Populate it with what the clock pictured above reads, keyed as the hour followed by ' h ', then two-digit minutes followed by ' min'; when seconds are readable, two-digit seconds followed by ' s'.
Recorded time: 6 h 17 min
